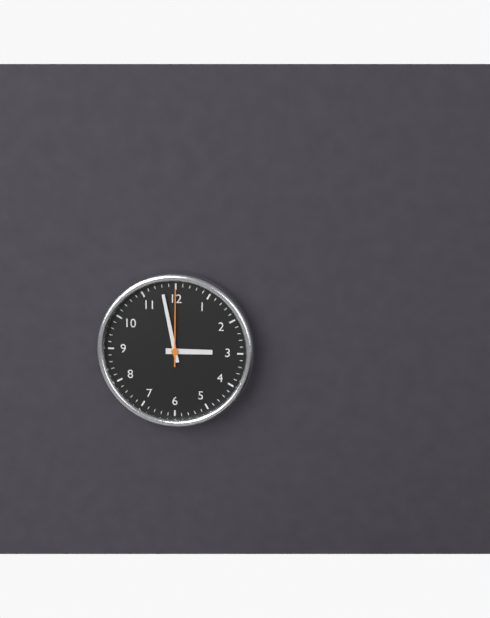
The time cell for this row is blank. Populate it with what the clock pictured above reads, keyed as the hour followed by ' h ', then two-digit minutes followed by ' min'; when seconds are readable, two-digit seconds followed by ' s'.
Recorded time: 2 h 58 min 00 s
